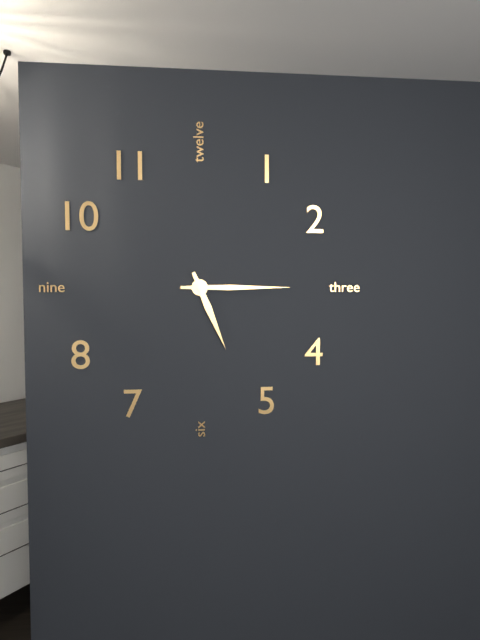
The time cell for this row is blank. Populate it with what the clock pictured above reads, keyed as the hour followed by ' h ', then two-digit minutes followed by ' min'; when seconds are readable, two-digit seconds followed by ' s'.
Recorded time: 5 h 15 min
